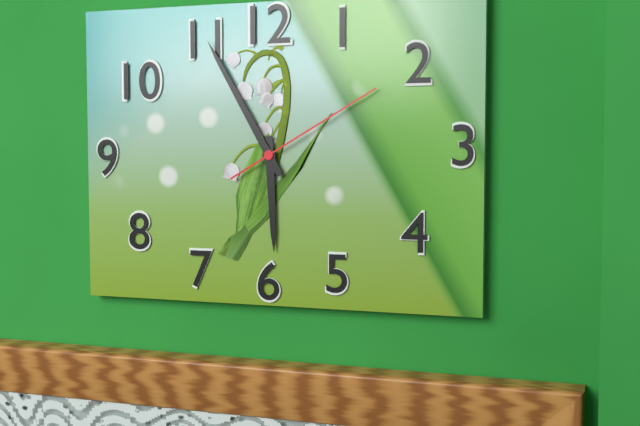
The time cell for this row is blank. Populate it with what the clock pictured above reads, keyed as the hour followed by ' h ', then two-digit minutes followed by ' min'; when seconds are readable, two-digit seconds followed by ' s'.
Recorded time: 5 h 55 min 10 s
